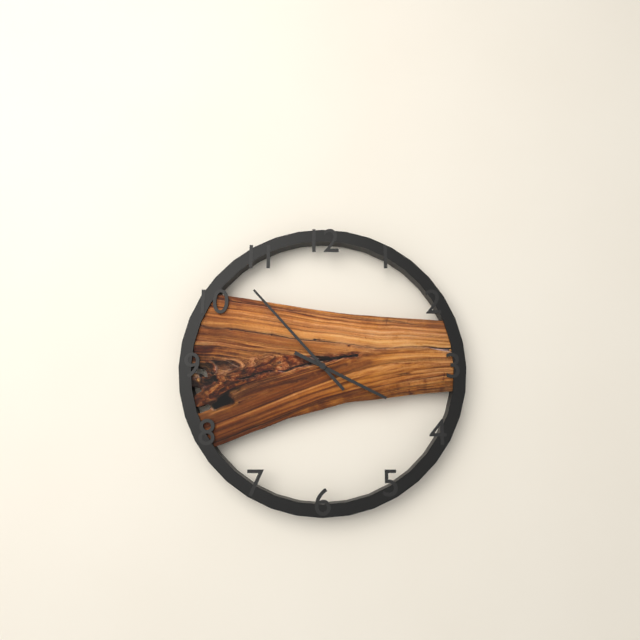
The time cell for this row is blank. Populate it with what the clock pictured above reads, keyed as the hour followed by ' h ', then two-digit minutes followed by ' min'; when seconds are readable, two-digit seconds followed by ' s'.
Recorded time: 3 h 53 min
